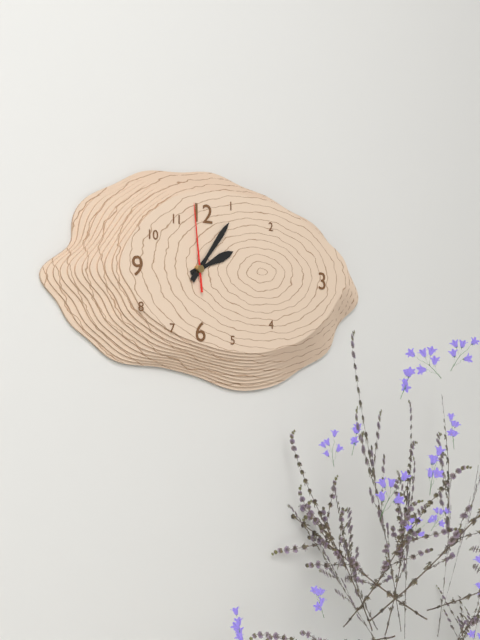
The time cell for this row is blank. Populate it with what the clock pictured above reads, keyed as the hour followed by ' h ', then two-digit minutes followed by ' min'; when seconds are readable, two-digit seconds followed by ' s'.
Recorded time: 2 h 06 min 59 s
